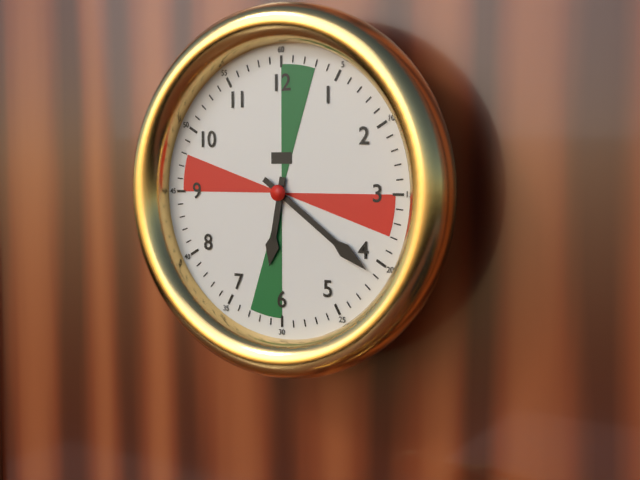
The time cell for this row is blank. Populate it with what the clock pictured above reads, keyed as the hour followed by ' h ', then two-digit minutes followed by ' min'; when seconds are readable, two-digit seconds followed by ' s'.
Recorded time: 6 h 21 min
